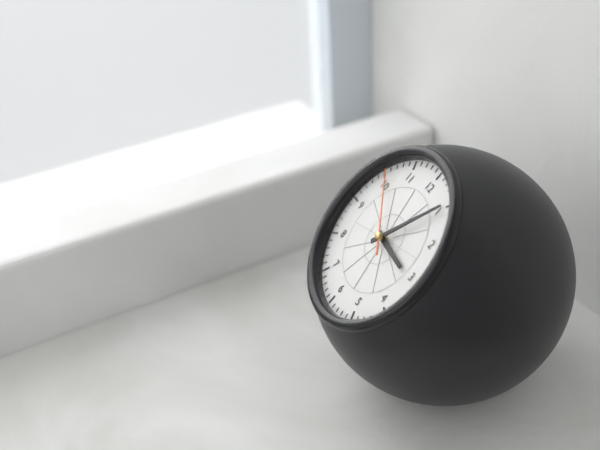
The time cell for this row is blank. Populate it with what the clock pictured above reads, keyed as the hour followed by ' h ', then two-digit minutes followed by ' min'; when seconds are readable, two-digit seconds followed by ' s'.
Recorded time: 3 h 05 min 51 s
